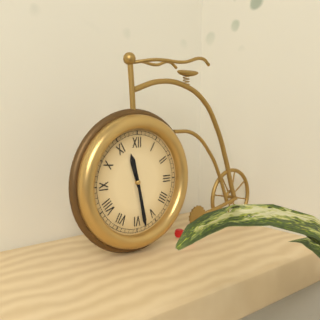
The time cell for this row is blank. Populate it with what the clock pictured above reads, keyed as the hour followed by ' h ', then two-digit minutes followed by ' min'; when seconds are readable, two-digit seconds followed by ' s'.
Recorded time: 11 h 28 min
